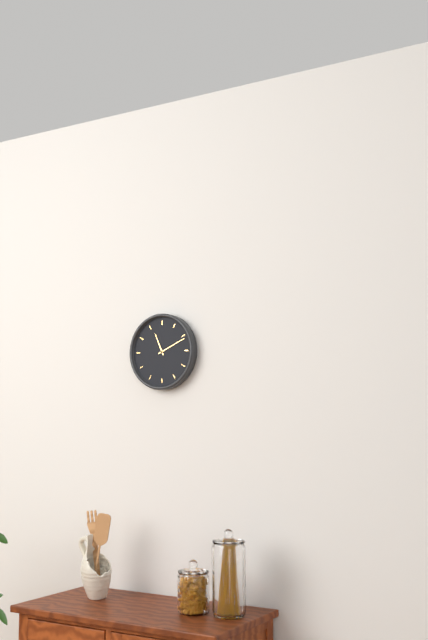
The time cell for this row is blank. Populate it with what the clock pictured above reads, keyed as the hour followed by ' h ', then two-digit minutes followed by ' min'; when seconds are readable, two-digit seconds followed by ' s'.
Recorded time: 11 h 11 min
